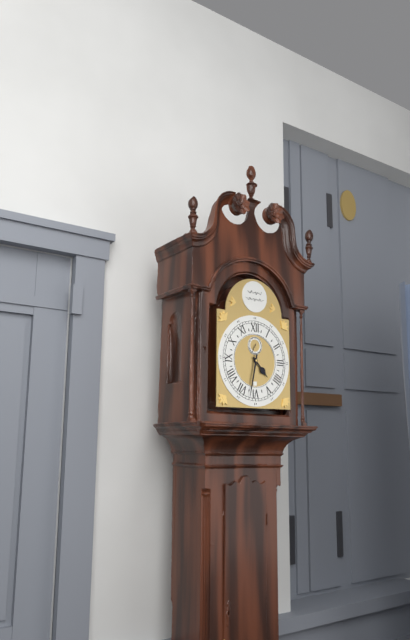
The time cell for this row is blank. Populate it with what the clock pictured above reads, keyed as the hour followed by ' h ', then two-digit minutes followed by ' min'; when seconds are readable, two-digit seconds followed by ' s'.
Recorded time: 4 h 32 min
